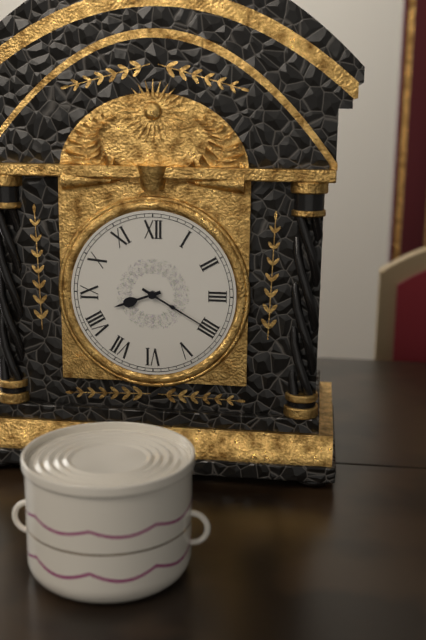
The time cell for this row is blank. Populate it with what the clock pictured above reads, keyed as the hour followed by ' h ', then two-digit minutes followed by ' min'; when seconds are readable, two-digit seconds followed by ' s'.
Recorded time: 8 h 20 min
